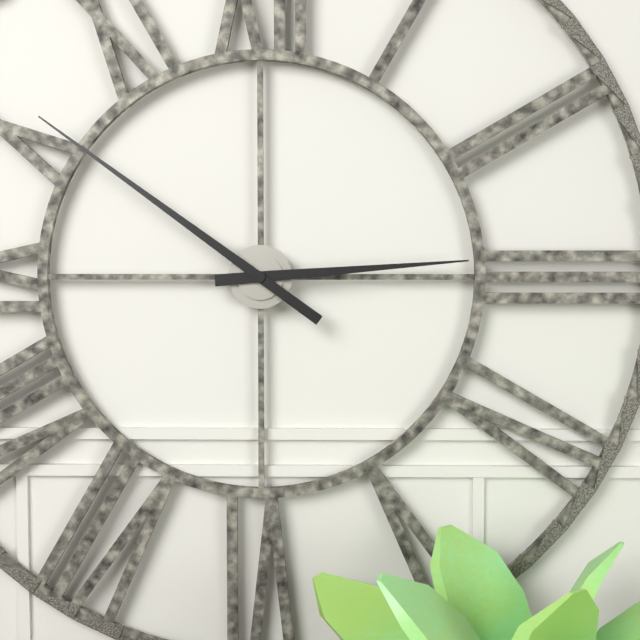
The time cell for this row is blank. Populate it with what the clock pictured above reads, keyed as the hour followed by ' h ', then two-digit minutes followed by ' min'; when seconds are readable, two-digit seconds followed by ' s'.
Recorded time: 2 h 51 min
